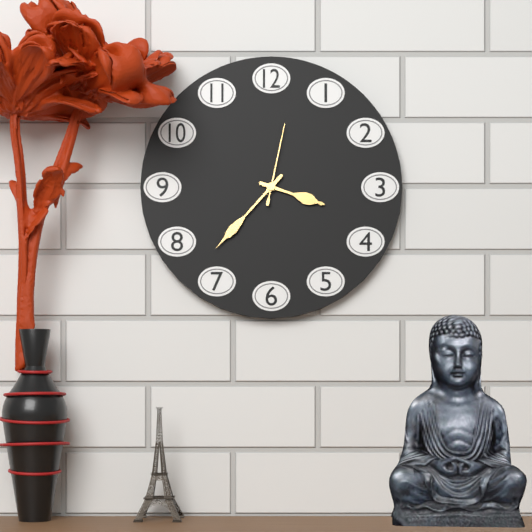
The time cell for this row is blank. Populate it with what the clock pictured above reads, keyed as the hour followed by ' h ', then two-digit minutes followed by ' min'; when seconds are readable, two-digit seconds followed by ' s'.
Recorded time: 3 h 37 min 02 s
